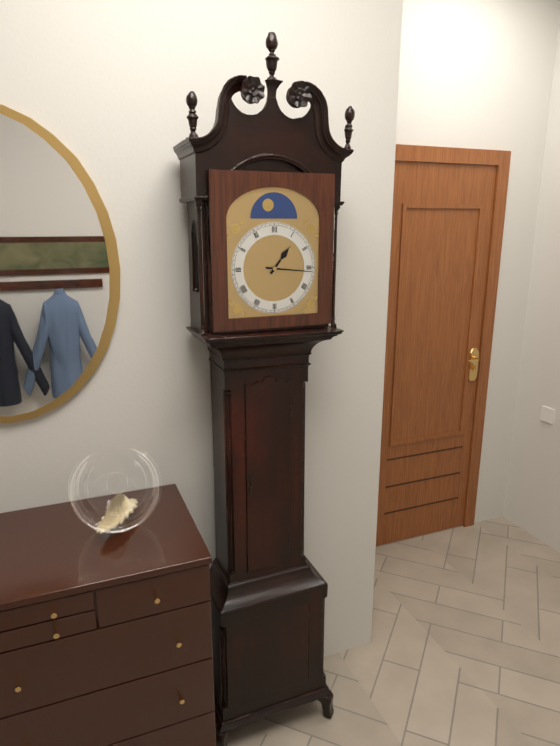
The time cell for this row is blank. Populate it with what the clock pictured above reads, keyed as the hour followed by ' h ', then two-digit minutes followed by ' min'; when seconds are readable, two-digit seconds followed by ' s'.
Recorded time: 1 h 16 min
